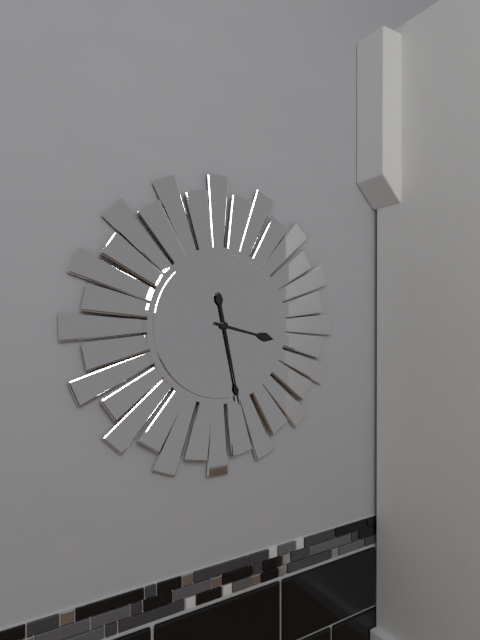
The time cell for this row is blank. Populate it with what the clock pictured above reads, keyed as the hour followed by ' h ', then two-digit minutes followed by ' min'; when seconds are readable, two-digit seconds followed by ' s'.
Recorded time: 3 h 28 min
